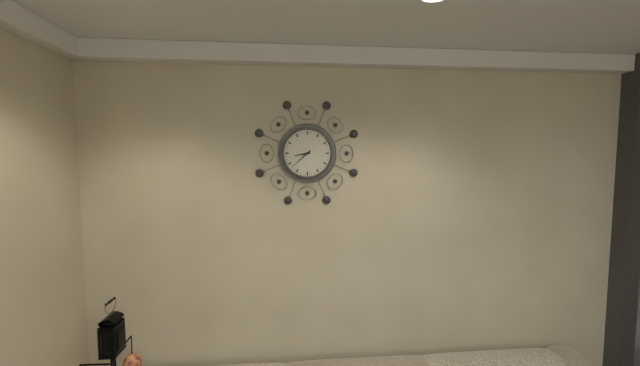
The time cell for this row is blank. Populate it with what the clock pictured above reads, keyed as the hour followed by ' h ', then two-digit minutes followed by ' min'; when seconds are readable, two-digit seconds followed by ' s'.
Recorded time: 8 h 38 min
